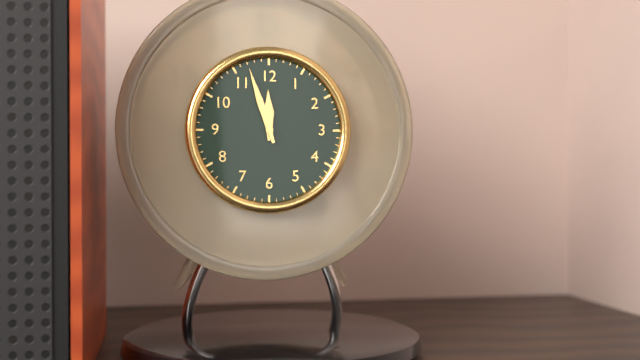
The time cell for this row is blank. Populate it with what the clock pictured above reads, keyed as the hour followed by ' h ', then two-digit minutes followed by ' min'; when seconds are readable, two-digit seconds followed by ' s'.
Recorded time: 11 h 57 min
